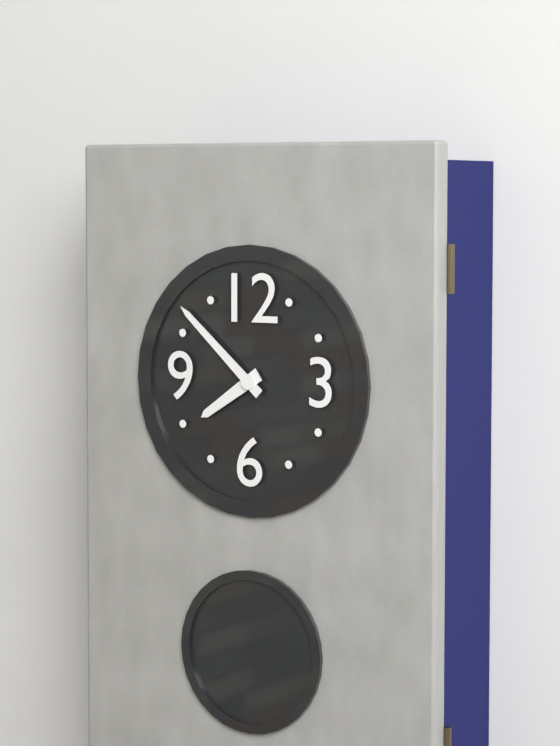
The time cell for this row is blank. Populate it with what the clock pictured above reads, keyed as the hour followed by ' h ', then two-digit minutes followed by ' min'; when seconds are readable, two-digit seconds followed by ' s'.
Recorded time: 7 h 52 min
